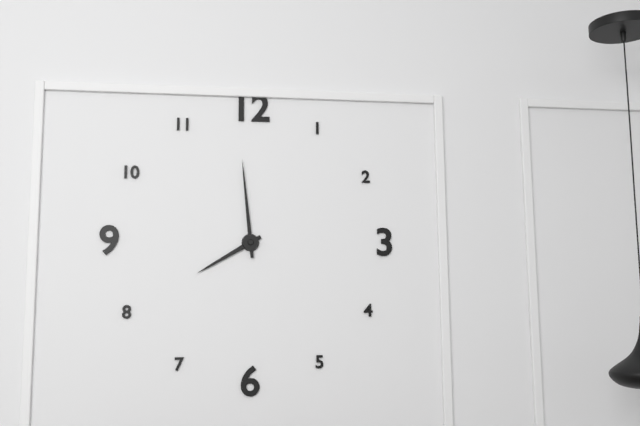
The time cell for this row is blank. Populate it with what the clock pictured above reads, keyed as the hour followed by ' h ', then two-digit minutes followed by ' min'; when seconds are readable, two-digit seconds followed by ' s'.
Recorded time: 7 h 59 min
